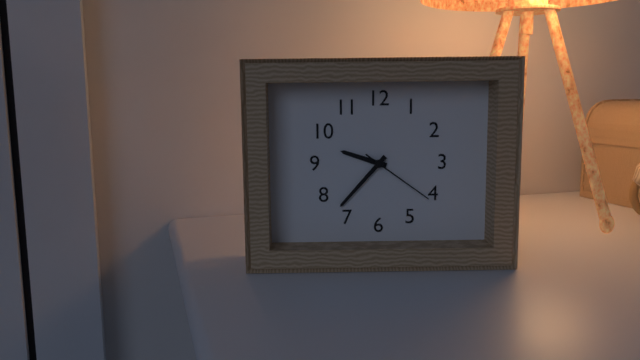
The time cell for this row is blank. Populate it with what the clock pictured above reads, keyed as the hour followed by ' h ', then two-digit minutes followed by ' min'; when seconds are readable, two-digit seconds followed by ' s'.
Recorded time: 9 h 37 min 21 s
